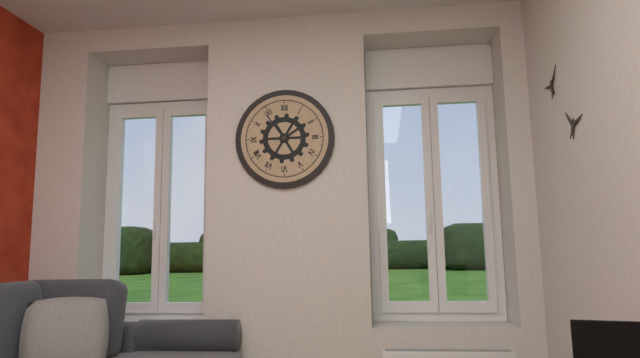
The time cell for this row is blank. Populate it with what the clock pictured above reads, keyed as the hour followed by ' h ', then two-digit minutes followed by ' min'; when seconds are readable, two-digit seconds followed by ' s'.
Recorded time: 1 h 54 min
